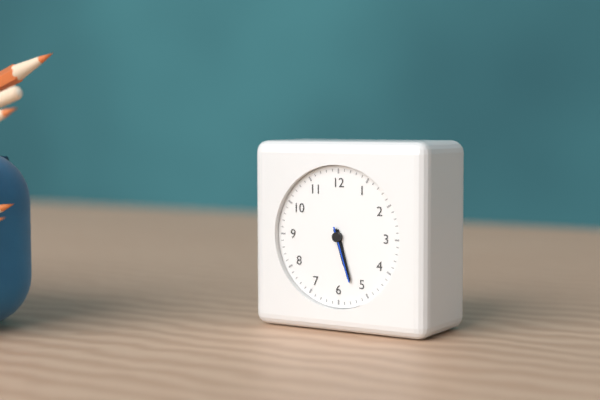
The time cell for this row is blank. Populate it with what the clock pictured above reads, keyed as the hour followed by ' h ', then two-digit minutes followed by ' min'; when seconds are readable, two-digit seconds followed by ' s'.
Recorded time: 5 h 27 min 27 s
